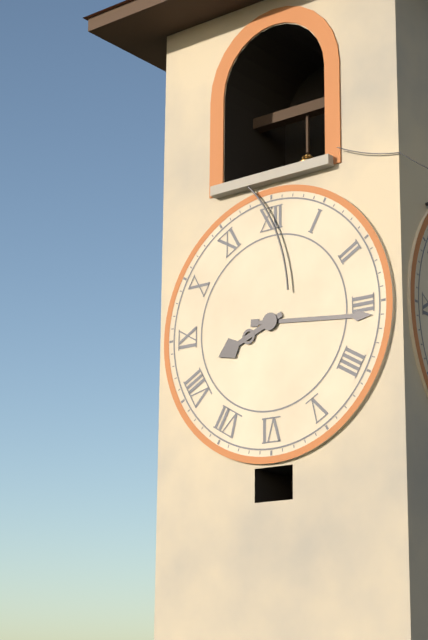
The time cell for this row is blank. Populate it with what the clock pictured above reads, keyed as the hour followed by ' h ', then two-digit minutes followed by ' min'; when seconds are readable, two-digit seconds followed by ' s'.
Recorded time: 8 h 16 min
